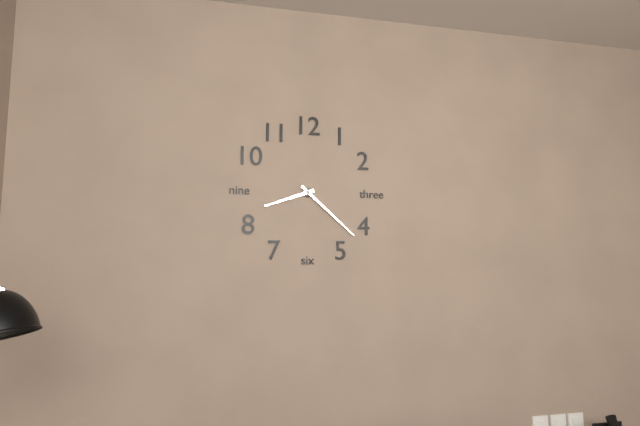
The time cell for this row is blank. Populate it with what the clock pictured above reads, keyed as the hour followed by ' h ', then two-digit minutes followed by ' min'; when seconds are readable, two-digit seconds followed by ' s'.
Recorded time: 8 h 22 min
